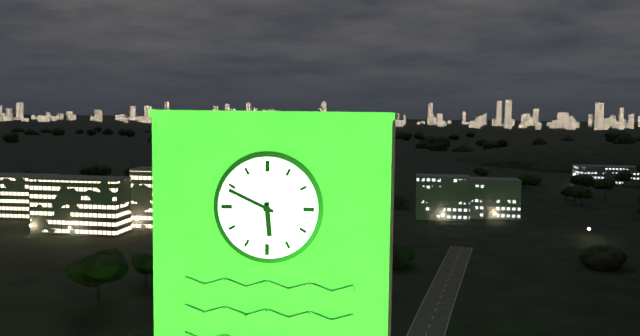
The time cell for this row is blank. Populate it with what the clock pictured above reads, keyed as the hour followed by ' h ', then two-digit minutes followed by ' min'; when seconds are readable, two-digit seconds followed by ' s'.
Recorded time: 5 h 49 min
